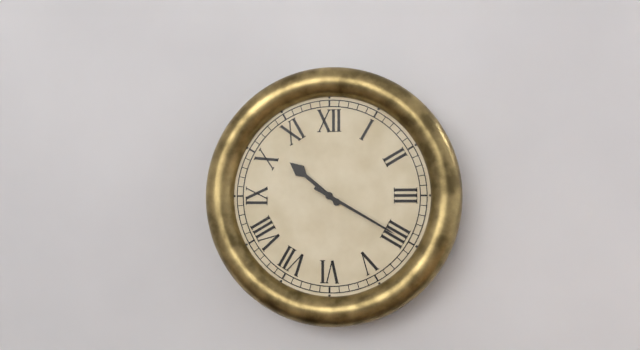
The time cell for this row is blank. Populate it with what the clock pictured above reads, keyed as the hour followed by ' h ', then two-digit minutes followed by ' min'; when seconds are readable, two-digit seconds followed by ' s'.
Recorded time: 10 h 20 min
